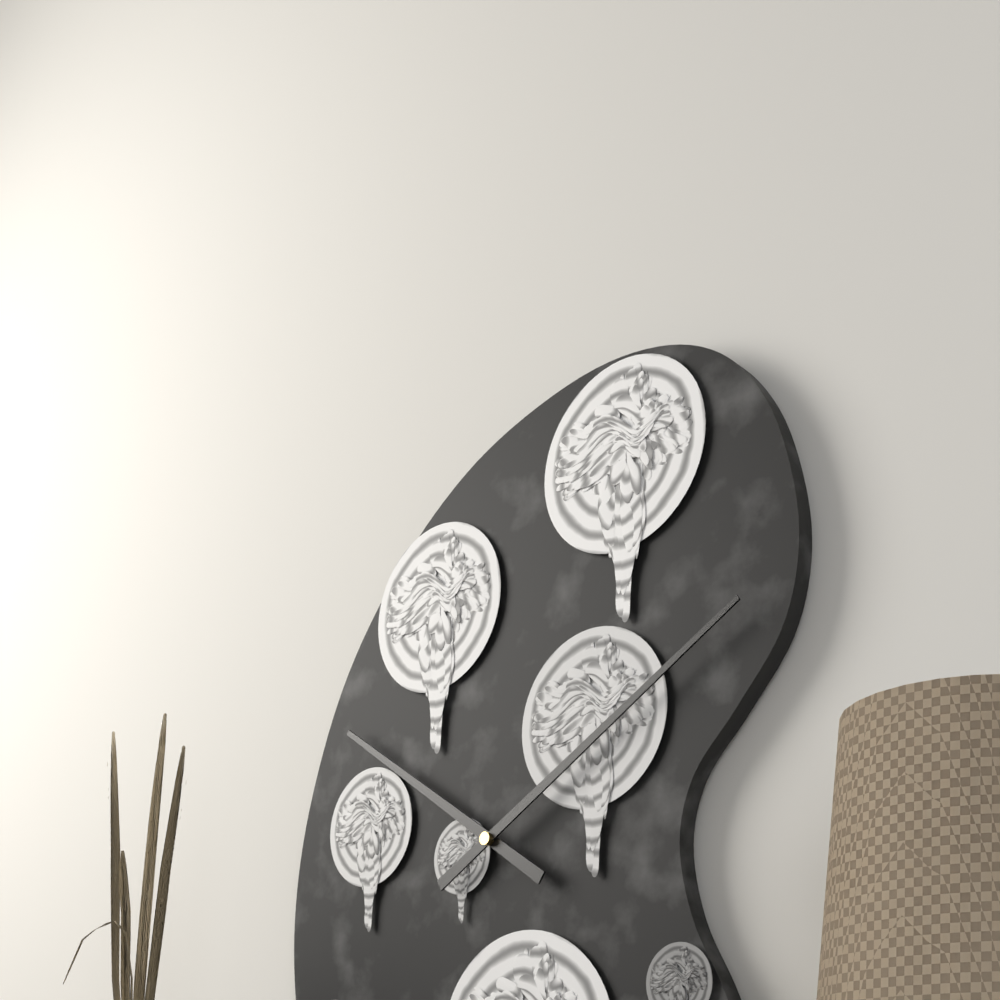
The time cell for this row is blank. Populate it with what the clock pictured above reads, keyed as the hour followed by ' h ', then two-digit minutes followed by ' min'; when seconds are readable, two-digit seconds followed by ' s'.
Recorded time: 10 h 10 min
